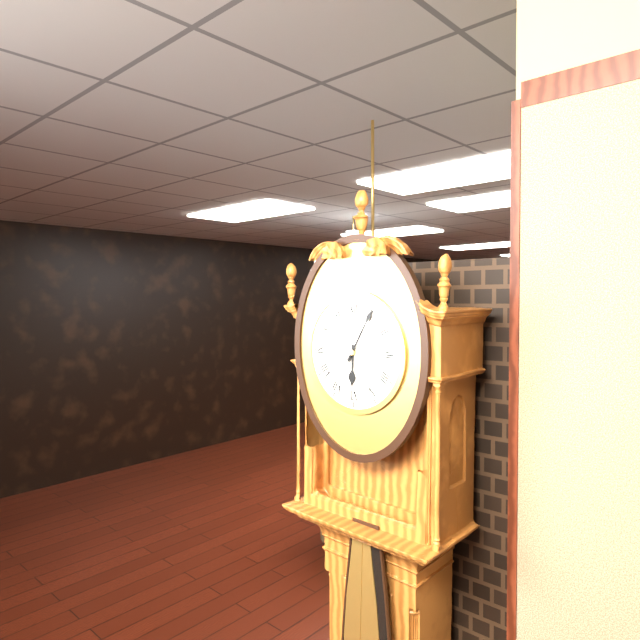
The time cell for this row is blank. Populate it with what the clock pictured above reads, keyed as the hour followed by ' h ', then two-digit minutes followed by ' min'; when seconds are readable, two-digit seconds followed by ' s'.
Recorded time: 6 h 05 min
